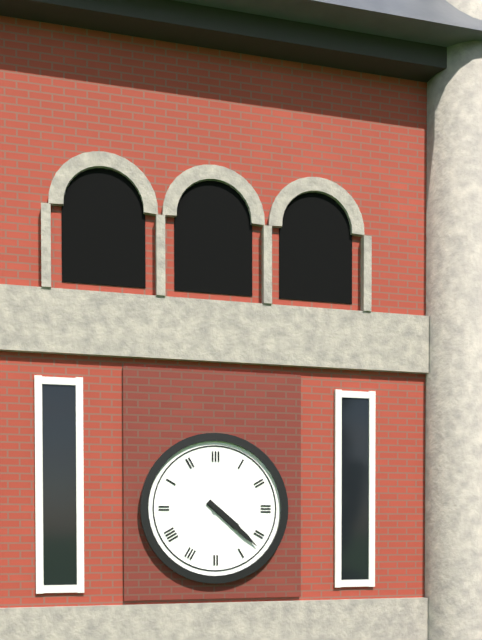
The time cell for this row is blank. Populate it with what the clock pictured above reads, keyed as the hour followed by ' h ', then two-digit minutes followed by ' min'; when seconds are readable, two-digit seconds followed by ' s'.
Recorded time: 4 h 22 min
